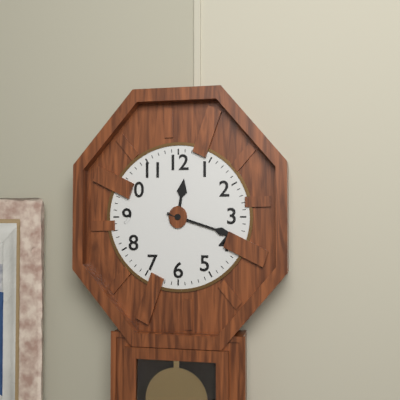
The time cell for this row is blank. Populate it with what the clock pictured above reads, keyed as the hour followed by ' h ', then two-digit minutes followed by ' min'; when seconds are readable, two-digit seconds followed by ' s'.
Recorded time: 12 h 18 min
